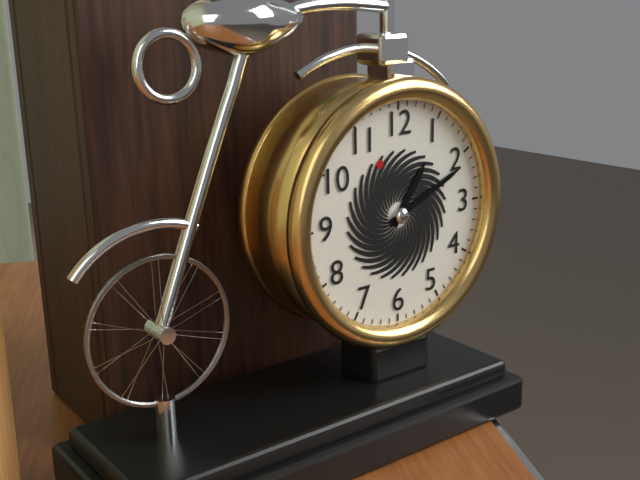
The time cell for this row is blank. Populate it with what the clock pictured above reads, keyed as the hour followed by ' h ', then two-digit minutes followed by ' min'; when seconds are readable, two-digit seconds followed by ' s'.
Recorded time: 1 h 11 min
